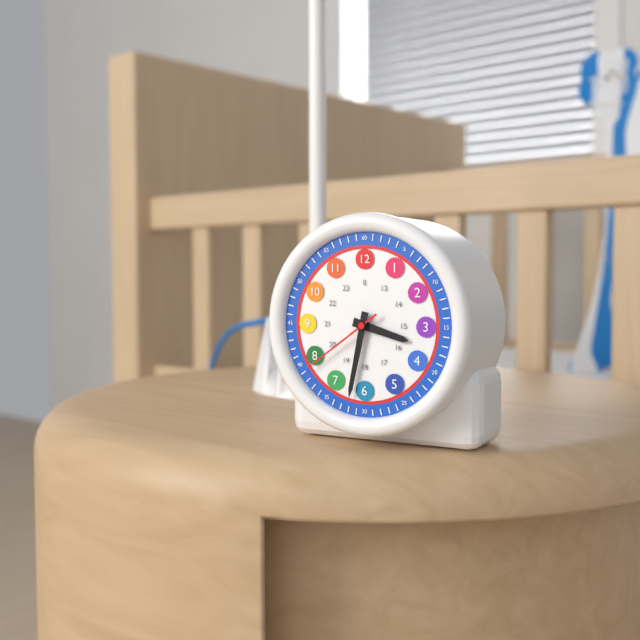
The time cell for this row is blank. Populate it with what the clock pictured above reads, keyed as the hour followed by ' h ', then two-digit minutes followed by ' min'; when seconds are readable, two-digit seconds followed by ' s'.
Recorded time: 3 h 32 min 39 s
